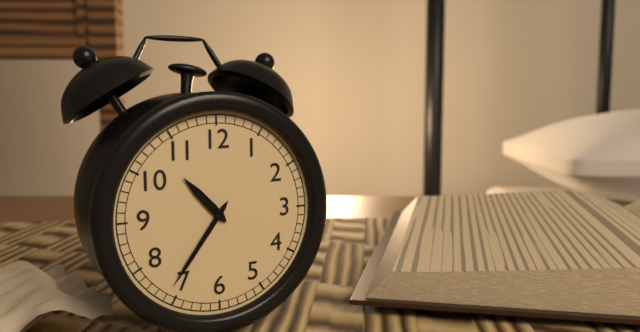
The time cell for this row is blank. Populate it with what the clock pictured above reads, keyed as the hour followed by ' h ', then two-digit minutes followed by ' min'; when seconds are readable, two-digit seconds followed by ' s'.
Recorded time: 10 h 36 min
